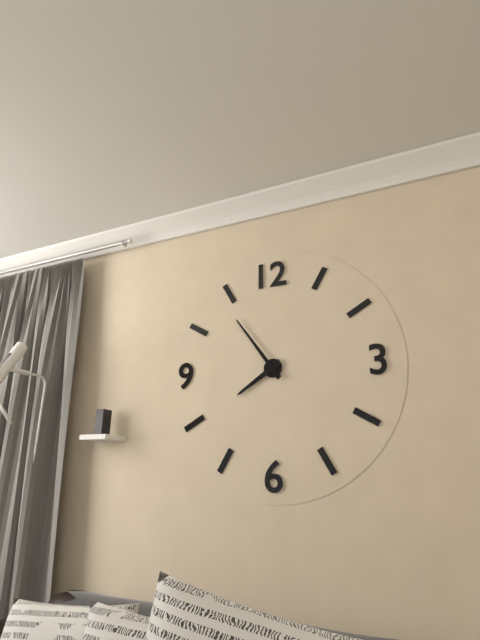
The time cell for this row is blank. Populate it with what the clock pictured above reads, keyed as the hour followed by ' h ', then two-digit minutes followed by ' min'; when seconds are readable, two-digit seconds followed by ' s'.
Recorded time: 7 h 54 min
